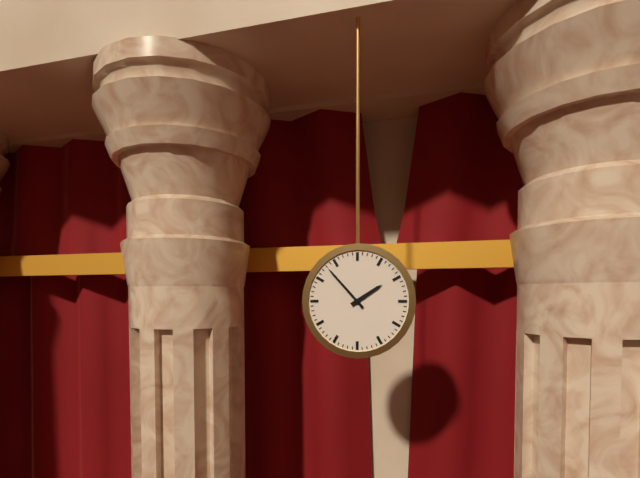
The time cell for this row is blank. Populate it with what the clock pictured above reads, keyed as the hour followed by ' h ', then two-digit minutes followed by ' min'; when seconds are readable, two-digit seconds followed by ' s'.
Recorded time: 1 h 53 min
